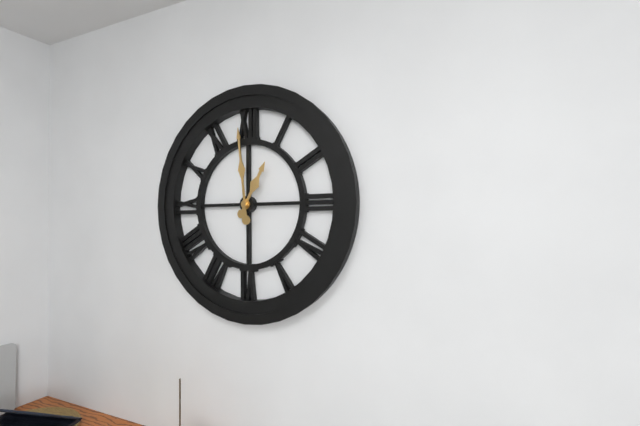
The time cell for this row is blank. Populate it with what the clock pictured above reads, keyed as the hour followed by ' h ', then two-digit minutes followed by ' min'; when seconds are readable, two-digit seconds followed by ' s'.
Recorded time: 12 h 59 min
